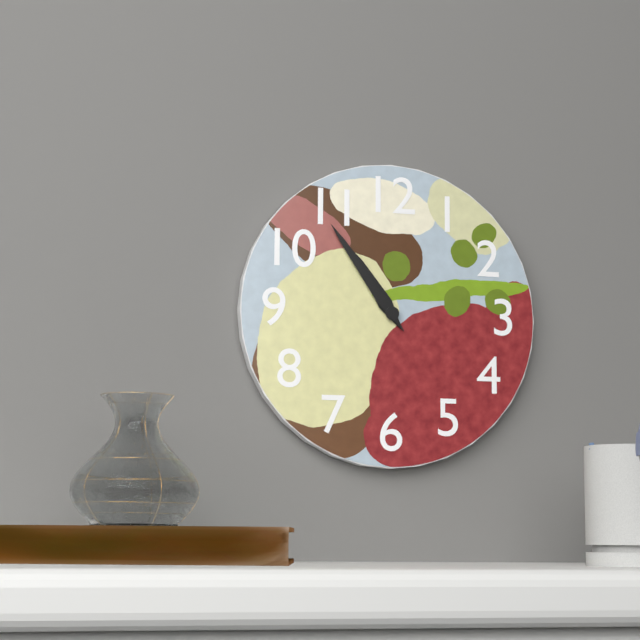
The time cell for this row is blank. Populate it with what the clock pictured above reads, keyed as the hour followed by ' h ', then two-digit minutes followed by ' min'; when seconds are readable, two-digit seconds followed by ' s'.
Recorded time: 10 h 54 min
